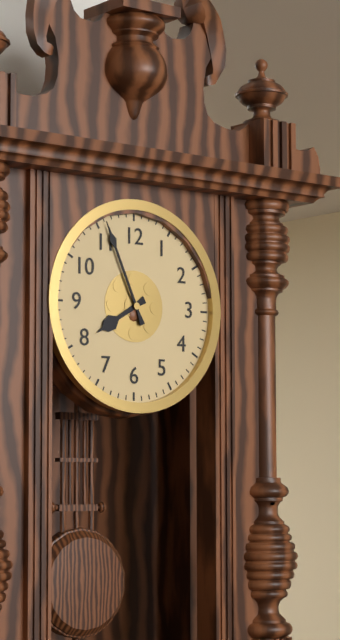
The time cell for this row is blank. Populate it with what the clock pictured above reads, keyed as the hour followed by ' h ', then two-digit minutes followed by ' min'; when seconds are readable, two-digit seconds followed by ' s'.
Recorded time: 7 h 56 min
